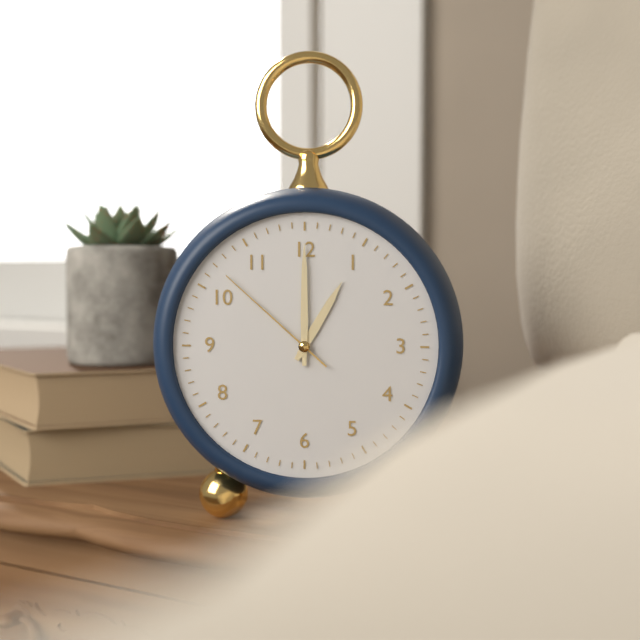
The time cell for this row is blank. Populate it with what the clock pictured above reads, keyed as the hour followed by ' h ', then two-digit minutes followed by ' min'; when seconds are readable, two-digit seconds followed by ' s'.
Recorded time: 1 h 00 min 52 s
